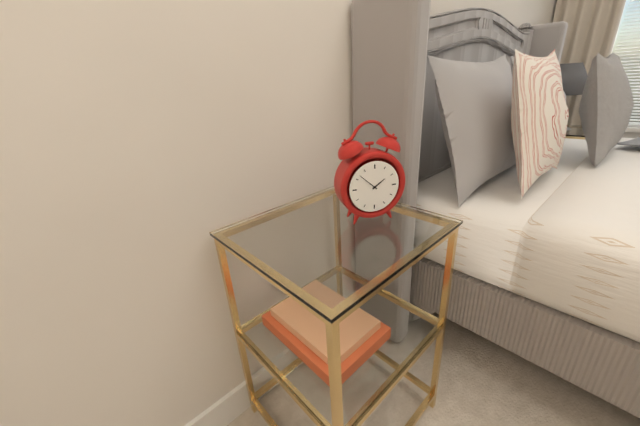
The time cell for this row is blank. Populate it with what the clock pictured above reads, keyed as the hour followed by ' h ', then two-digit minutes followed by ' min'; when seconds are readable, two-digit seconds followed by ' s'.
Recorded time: 1 h 52 min
